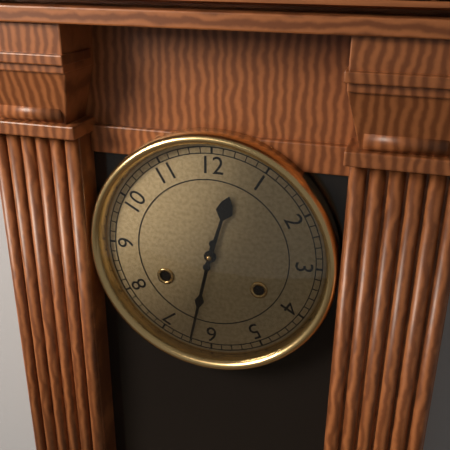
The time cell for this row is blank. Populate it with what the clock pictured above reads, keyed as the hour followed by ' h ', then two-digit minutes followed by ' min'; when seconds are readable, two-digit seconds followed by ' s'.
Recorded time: 12 h 32 min
